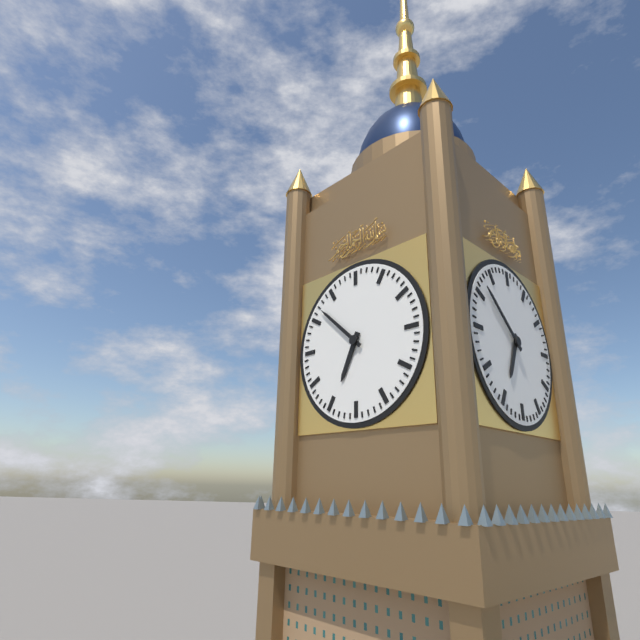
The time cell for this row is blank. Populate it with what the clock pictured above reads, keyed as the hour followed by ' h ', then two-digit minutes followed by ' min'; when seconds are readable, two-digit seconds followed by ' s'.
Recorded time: 6 h 52 min
